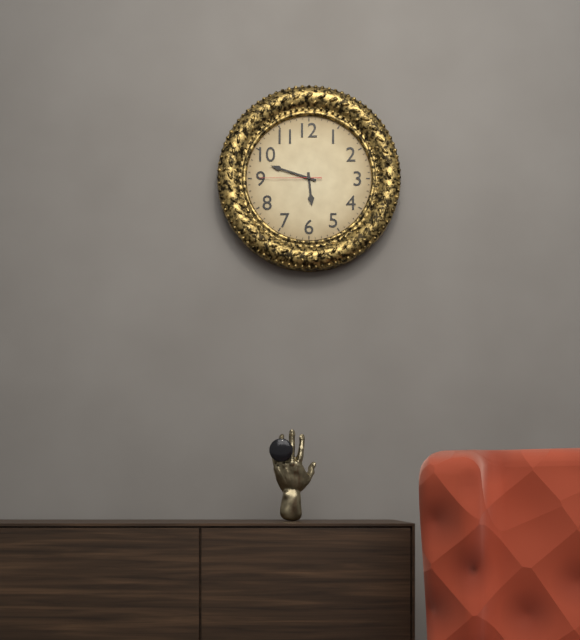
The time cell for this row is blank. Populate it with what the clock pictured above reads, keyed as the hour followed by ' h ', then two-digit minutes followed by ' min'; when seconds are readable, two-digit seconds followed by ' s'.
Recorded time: 5 h 48 min 45 s
